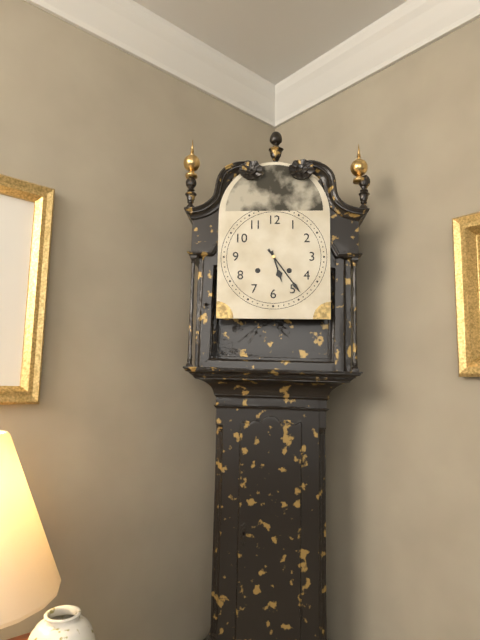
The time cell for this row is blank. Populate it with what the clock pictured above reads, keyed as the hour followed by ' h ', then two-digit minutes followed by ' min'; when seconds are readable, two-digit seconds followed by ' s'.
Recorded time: 5 h 24 min
